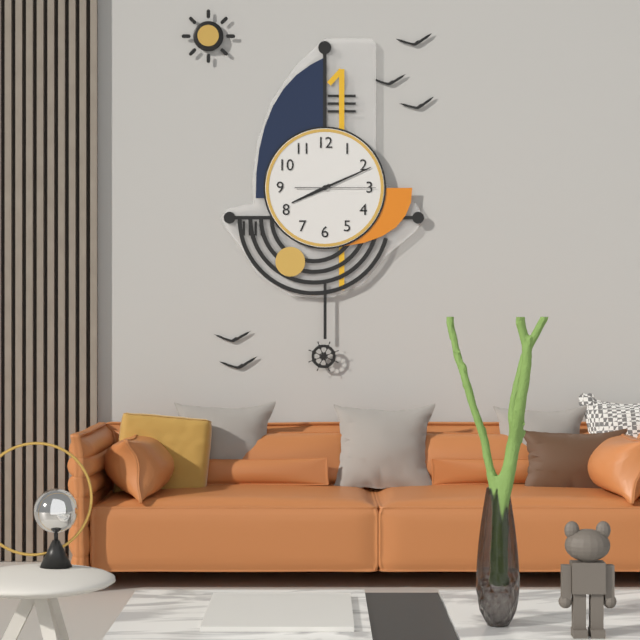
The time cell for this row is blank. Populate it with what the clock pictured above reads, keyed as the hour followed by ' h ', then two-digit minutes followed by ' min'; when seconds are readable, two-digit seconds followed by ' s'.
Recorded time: 8 h 11 min 15 s
